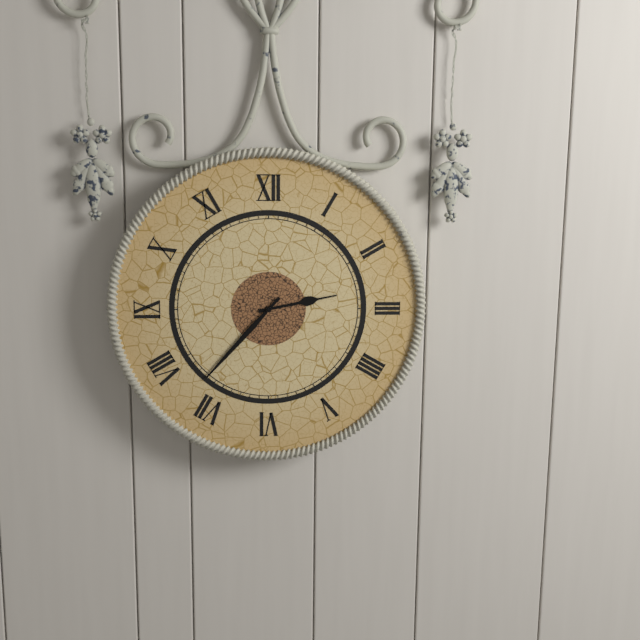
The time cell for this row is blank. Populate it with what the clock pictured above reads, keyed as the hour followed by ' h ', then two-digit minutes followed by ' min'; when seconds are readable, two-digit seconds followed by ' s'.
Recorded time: 2 h 37 min
